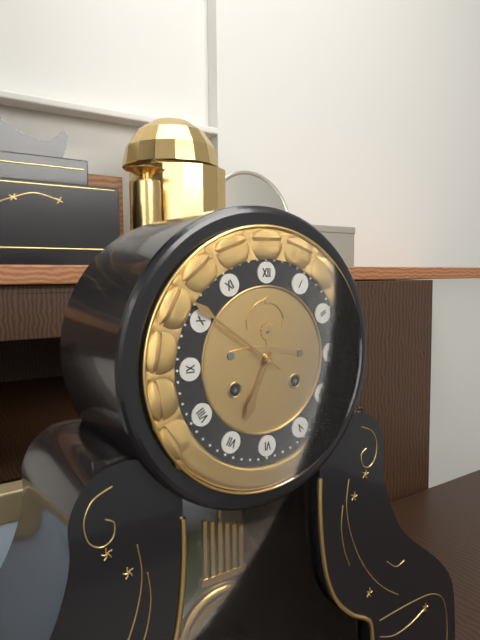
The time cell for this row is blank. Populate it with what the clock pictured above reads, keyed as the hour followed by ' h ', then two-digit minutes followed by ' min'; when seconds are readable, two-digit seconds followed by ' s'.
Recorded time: 6 h 51 min
